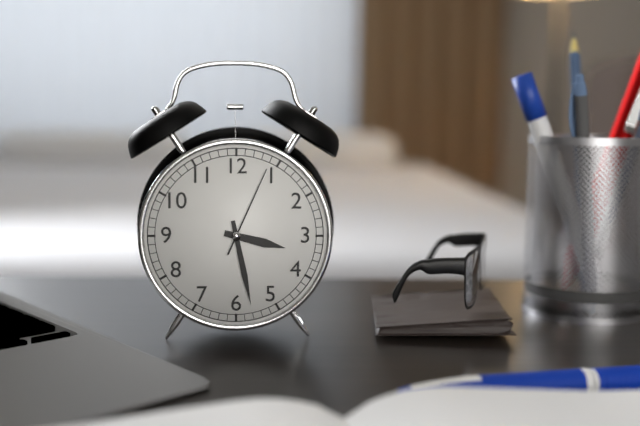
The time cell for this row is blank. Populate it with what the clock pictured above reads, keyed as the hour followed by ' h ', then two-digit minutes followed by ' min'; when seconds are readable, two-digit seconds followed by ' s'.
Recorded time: 3 h 28 min 04 s
